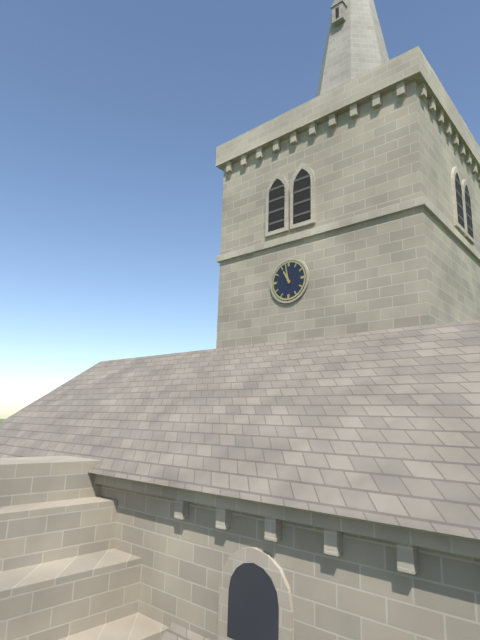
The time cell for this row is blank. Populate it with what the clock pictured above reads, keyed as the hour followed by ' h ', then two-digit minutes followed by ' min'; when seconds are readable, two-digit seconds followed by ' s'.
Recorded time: 10 h 58 min
